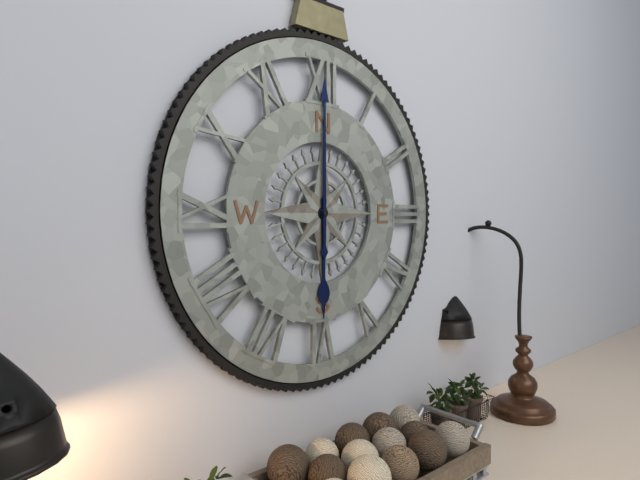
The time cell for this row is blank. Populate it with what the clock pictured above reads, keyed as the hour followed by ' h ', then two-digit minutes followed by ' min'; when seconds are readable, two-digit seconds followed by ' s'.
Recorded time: 6 h 00 min
